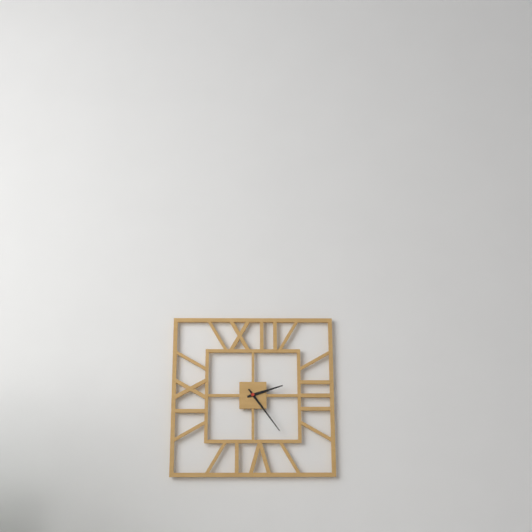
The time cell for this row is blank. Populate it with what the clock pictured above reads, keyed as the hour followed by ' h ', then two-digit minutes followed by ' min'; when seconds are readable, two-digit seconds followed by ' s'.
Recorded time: 2 h 24 min
